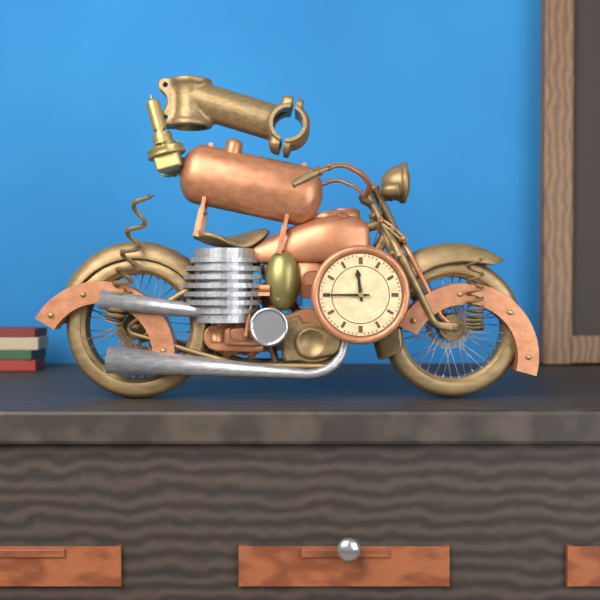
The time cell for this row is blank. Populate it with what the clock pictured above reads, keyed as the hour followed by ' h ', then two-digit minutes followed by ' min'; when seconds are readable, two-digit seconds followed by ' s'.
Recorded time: 11 h 45 min
